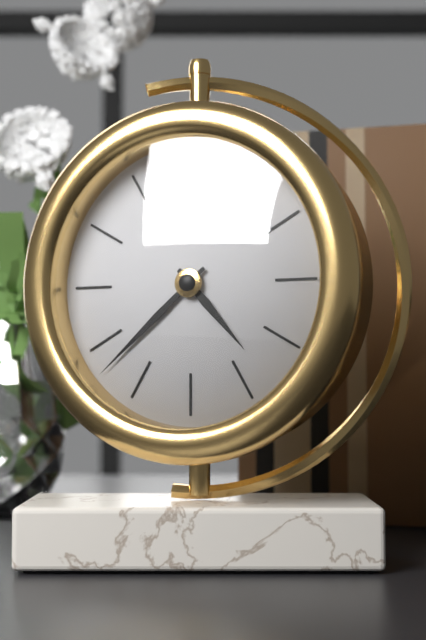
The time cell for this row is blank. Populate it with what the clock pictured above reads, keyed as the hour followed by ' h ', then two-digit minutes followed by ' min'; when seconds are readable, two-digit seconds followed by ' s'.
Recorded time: 4 h 38 min
